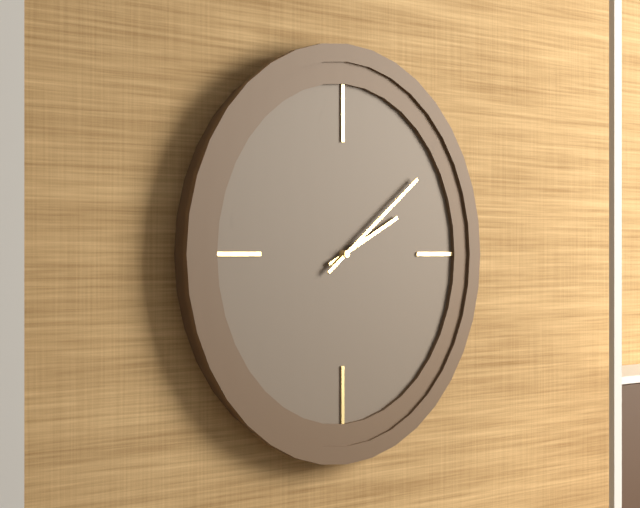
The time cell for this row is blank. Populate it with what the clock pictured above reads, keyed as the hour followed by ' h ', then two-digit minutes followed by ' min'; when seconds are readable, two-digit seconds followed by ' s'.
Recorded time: 2 h 09 min
